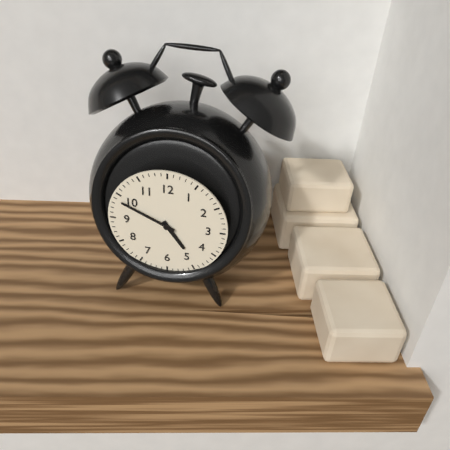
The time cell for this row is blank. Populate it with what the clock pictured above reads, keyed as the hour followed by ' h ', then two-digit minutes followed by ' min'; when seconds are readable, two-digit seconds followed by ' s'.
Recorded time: 4 h 49 min
